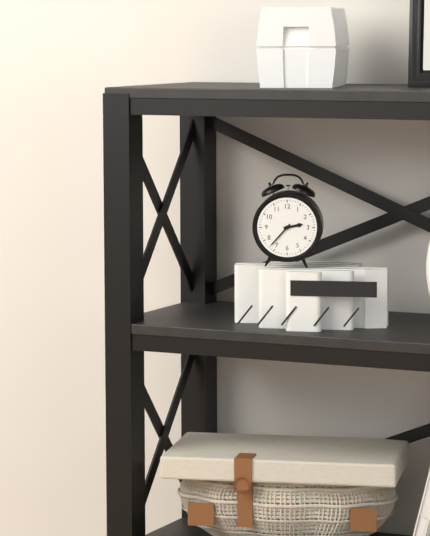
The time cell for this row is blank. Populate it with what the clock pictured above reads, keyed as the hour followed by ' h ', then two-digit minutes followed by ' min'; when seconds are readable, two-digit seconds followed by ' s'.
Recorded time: 2 h 37 min
